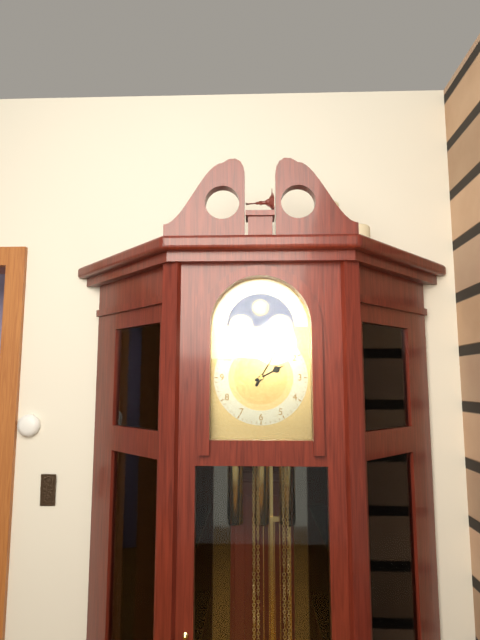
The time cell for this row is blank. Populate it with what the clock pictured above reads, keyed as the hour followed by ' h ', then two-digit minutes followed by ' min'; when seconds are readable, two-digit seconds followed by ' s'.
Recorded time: 2 h 05 min
